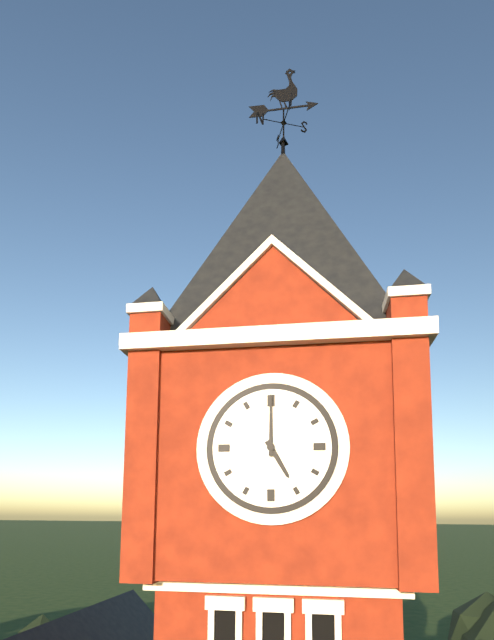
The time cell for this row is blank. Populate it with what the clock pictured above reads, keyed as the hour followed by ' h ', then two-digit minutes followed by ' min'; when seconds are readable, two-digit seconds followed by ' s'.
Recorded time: 5 h 00 min
